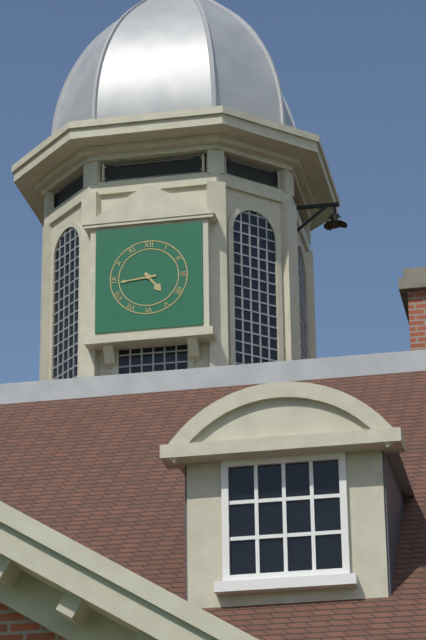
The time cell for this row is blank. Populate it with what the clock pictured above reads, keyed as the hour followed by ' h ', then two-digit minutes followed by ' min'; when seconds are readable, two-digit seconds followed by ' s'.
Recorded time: 4 h 44 min
